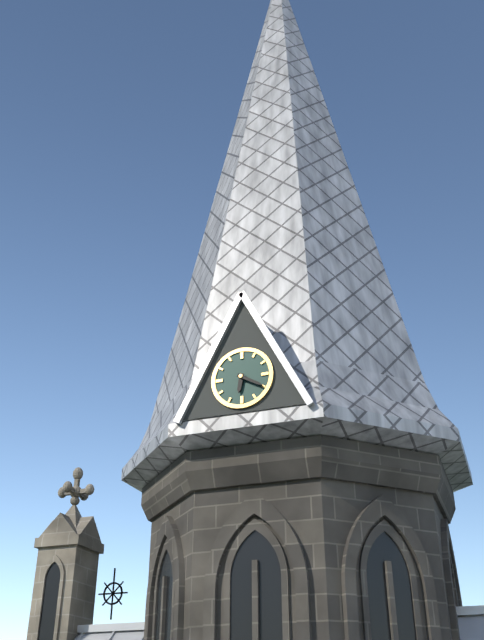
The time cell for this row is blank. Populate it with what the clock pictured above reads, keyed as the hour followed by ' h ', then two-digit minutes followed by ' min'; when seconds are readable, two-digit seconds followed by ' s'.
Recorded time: 6 h 20 min
